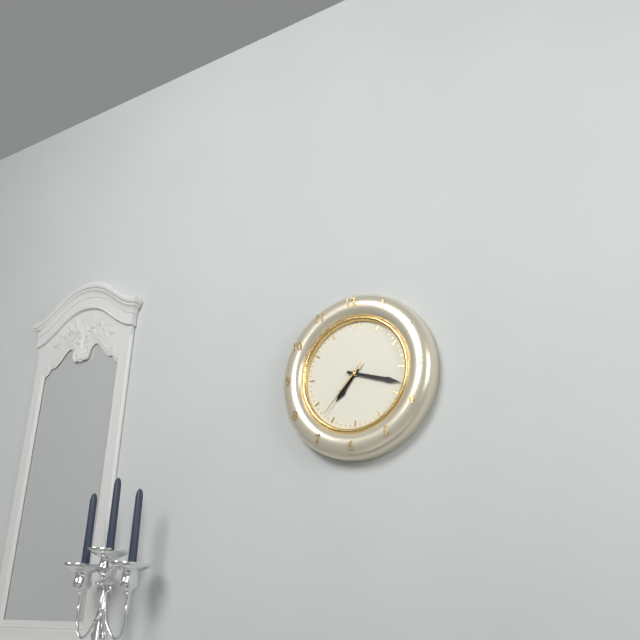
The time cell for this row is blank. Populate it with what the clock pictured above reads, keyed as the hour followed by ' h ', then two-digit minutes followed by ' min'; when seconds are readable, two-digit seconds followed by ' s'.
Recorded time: 7 h 18 min 37 s
